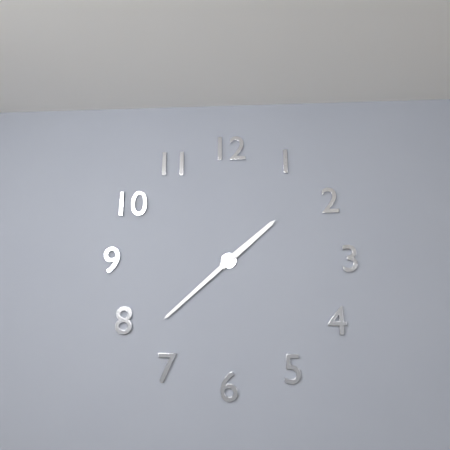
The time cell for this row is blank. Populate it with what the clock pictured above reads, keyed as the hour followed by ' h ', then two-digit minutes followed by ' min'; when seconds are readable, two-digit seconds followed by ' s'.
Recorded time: 1 h 38 min
